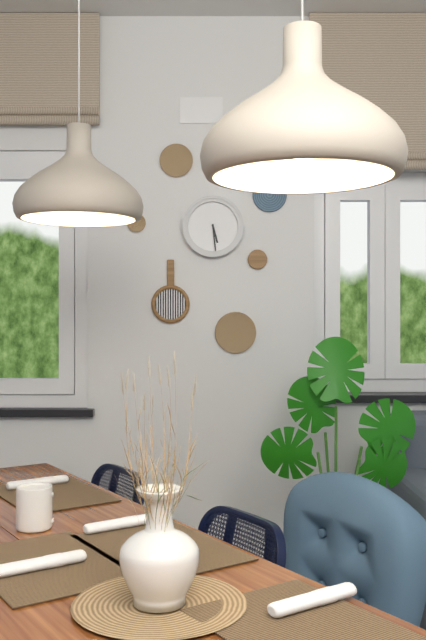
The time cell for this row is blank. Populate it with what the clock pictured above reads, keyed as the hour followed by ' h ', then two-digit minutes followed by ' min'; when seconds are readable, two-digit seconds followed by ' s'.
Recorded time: 5 h 29 min
